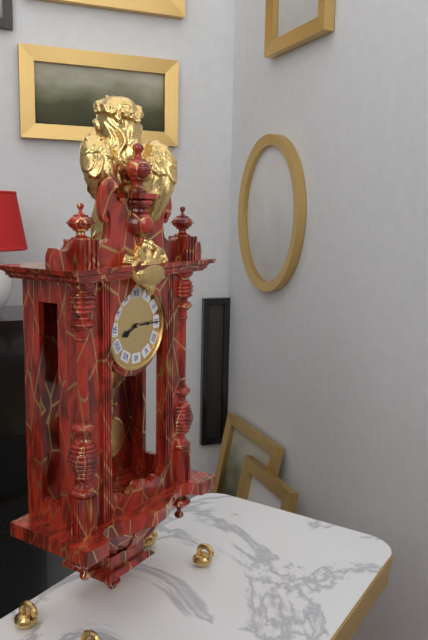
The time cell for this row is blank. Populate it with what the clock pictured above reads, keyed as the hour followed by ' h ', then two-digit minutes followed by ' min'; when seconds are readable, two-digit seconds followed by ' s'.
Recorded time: 8 h 15 min
